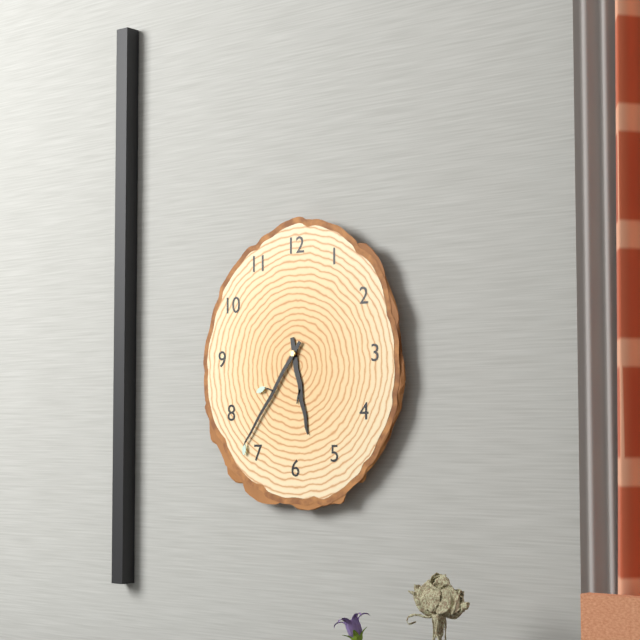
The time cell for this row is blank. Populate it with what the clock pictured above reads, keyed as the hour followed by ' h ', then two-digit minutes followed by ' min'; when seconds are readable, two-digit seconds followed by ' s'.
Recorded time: 5 h 36 min
